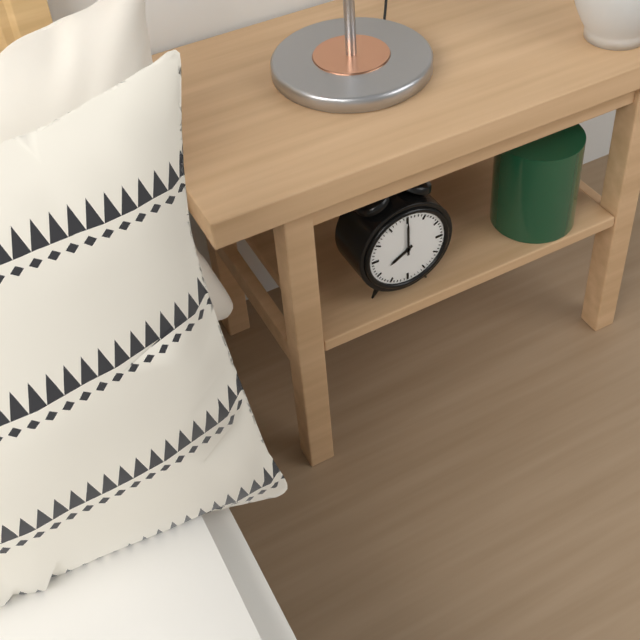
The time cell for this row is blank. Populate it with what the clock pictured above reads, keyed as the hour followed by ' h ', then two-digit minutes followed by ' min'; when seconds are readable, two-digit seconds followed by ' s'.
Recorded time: 8 h 00 min
